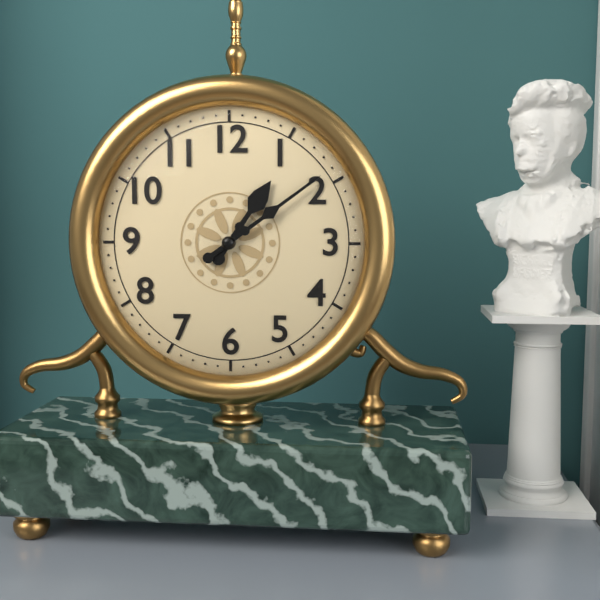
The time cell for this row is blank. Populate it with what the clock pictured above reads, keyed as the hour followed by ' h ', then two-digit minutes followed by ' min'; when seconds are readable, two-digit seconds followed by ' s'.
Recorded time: 1 h 09 min
